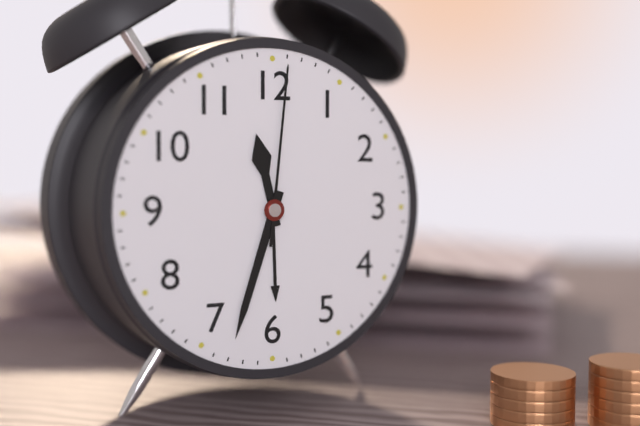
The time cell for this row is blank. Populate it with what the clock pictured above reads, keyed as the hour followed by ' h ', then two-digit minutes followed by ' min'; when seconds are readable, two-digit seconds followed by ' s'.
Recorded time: 11 h 33 min 01 s
